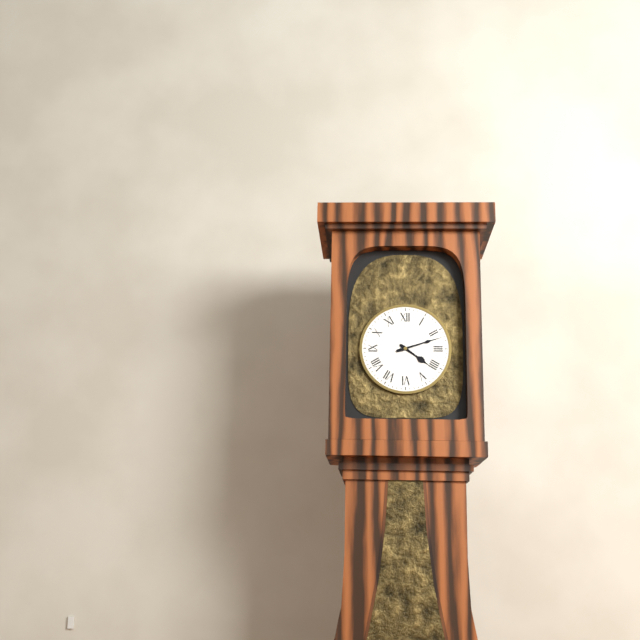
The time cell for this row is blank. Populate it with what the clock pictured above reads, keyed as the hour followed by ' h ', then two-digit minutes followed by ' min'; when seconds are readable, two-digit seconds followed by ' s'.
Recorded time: 4 h 12 min
